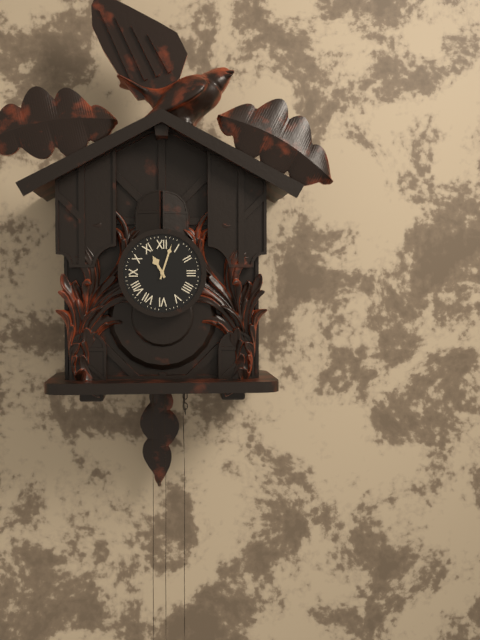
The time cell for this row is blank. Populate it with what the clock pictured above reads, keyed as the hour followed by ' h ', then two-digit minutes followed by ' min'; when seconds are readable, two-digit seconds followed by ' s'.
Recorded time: 11 h 03 min
